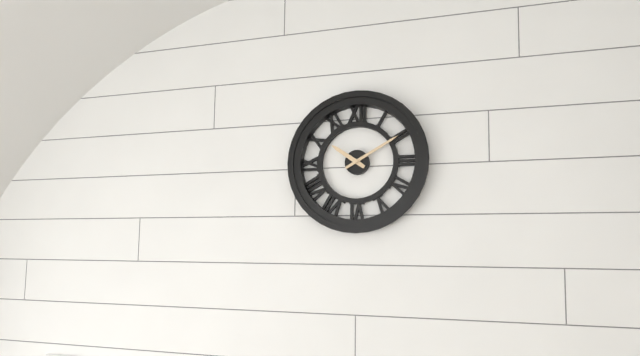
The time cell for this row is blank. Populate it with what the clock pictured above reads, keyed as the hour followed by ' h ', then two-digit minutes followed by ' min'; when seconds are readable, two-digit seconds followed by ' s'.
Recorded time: 10 h 10 min
